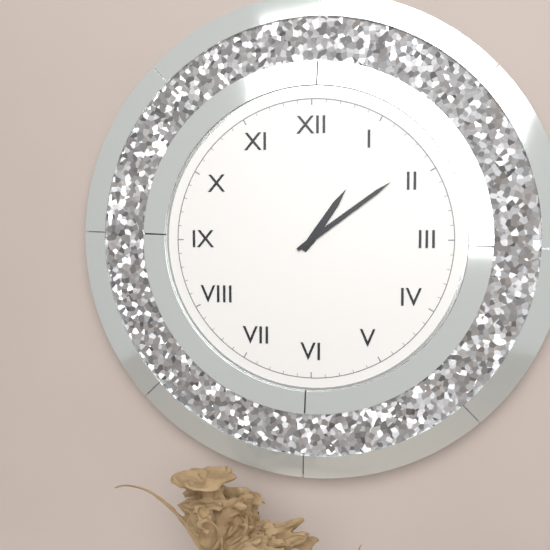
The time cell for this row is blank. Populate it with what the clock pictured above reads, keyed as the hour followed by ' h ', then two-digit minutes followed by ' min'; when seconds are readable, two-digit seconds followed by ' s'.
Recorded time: 1 h 09 min
